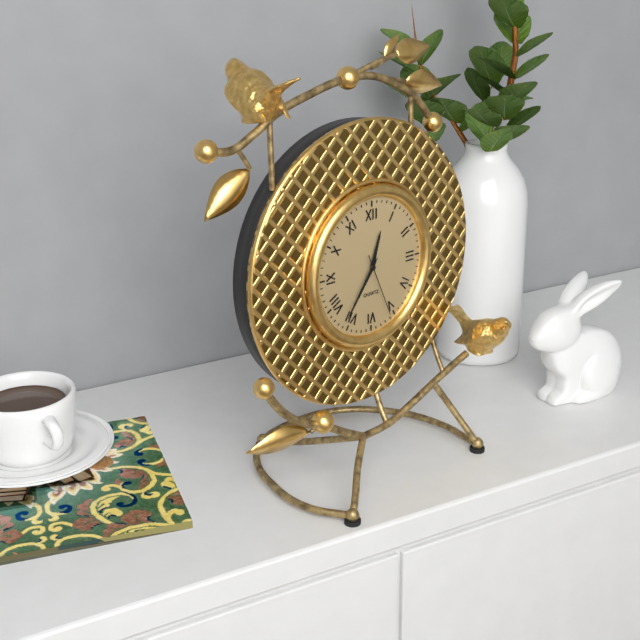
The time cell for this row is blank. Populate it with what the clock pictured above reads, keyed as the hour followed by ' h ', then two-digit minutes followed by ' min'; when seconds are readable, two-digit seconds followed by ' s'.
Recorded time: 12 h 36 min 26 s
